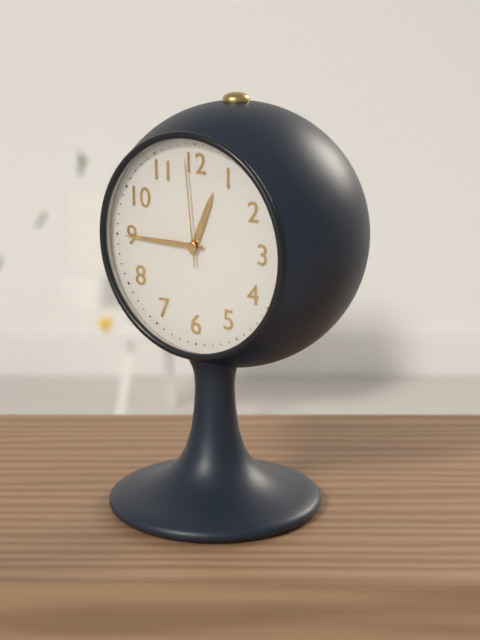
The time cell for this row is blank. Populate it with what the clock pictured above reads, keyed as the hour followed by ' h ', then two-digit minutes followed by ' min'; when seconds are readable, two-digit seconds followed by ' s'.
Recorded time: 12 h 45 min 59 s
